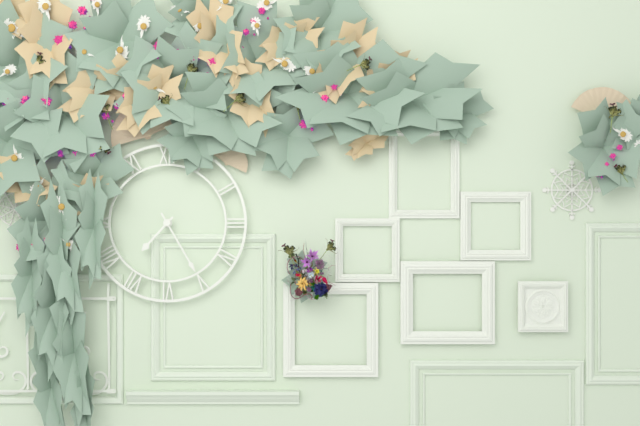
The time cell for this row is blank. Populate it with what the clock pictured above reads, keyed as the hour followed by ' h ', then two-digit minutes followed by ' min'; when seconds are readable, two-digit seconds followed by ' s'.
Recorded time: 7 h 25 min
